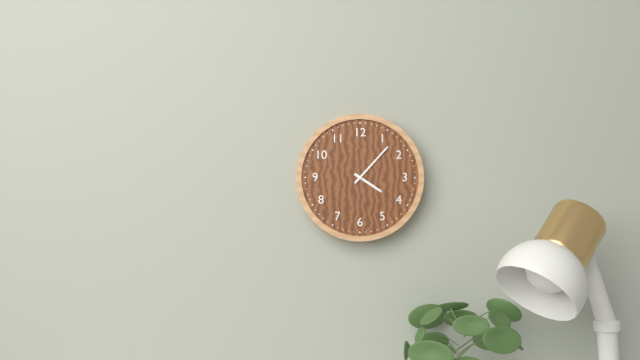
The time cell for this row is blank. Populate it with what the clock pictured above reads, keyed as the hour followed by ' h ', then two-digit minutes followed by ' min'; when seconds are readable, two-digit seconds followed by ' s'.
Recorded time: 4 h 07 min
